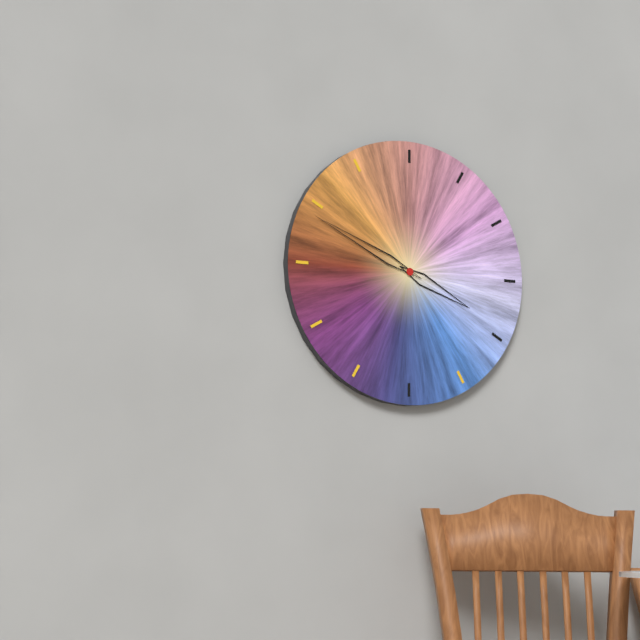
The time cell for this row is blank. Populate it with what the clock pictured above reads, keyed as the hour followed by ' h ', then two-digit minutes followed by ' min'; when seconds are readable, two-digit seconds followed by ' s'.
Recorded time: 3 h 49 min
